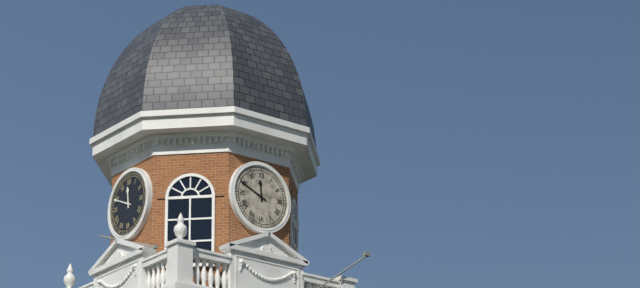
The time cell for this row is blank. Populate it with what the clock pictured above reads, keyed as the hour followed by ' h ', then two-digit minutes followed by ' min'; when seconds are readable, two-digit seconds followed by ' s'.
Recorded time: 11 h 49 min
